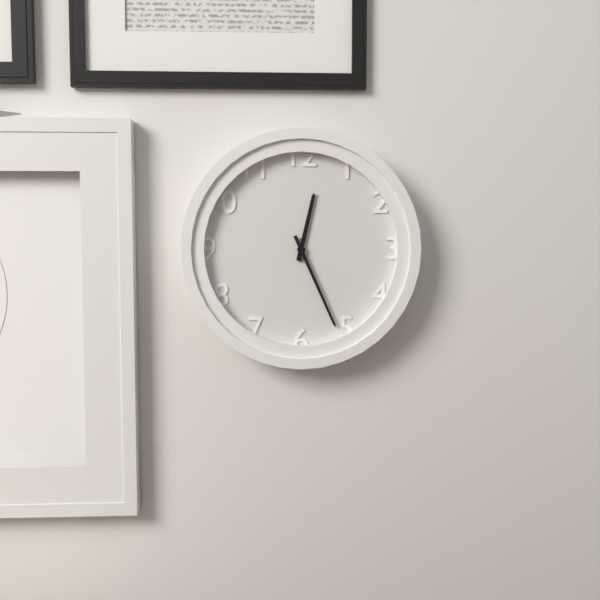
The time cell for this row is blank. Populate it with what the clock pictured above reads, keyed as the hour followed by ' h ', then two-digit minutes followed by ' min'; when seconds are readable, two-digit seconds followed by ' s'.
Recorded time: 12 h 26 min
